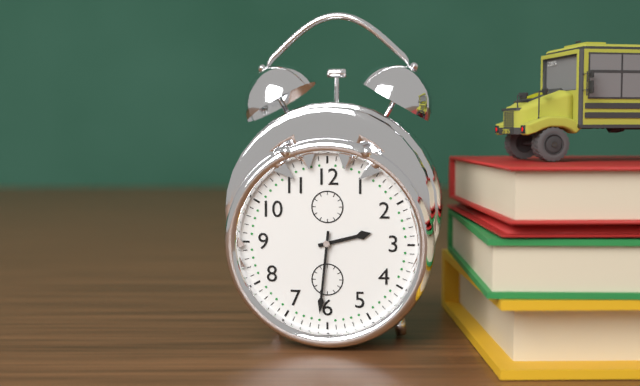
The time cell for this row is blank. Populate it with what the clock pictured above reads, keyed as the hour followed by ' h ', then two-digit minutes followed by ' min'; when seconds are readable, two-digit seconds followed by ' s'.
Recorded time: 2 h 31 min
